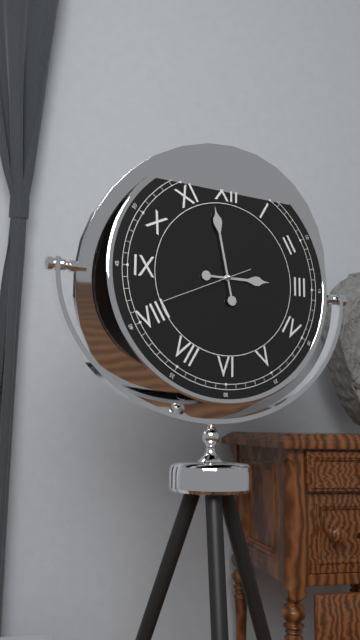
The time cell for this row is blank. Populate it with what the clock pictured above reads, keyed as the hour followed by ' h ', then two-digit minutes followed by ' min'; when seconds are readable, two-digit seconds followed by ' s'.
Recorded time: 2 h 58 min 41 s
